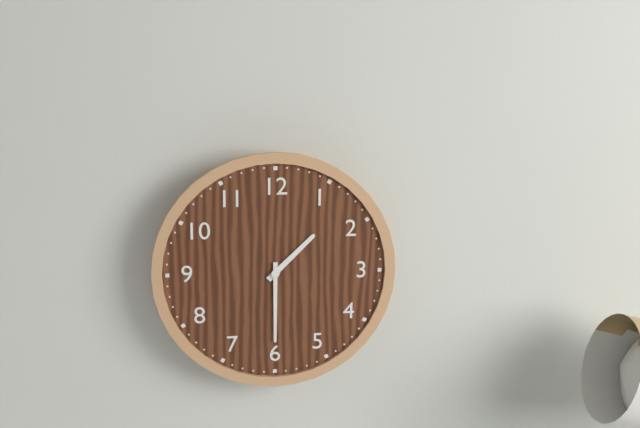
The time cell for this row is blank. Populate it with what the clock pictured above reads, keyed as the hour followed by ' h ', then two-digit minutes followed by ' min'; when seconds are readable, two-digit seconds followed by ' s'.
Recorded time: 1 h 30 min
